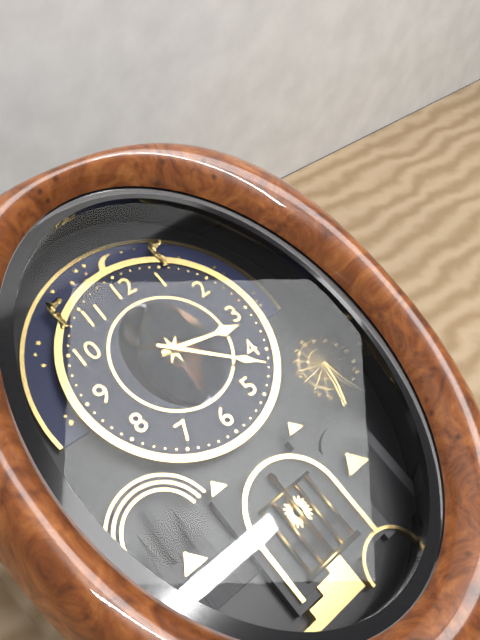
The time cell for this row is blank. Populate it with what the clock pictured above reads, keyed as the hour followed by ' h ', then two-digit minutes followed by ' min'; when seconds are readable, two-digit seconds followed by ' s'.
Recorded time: 3 h 22 min
